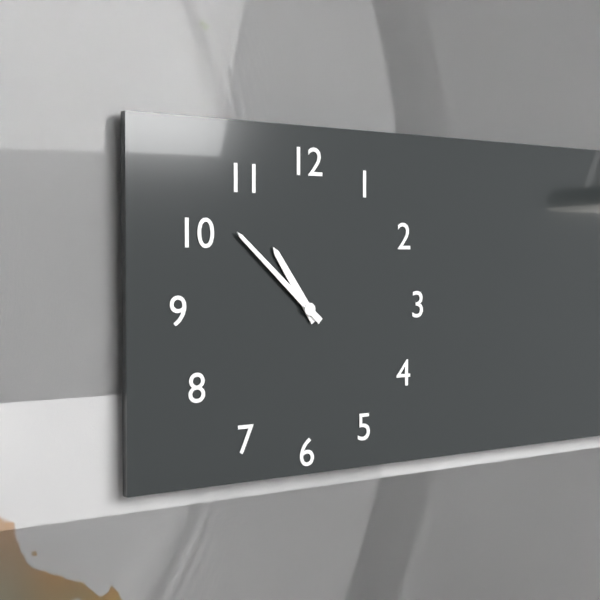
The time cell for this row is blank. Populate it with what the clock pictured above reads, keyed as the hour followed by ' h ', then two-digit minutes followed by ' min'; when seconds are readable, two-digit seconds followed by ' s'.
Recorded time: 10 h 52 min
